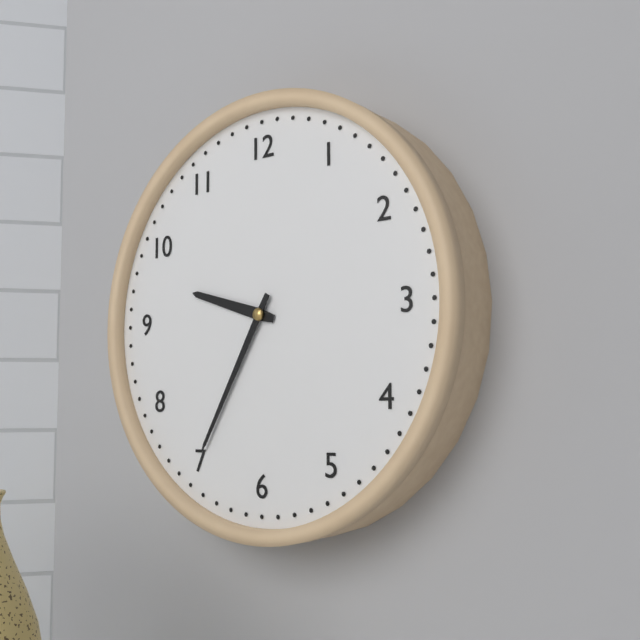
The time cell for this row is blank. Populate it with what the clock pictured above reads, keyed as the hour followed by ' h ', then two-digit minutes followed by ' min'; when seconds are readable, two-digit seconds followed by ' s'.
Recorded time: 9 h 35 min
